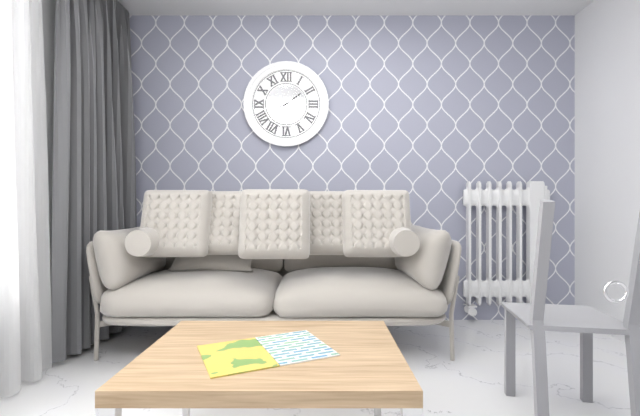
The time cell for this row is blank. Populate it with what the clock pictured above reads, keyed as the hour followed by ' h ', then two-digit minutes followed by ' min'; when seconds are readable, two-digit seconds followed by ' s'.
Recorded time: 8 h 09 min
